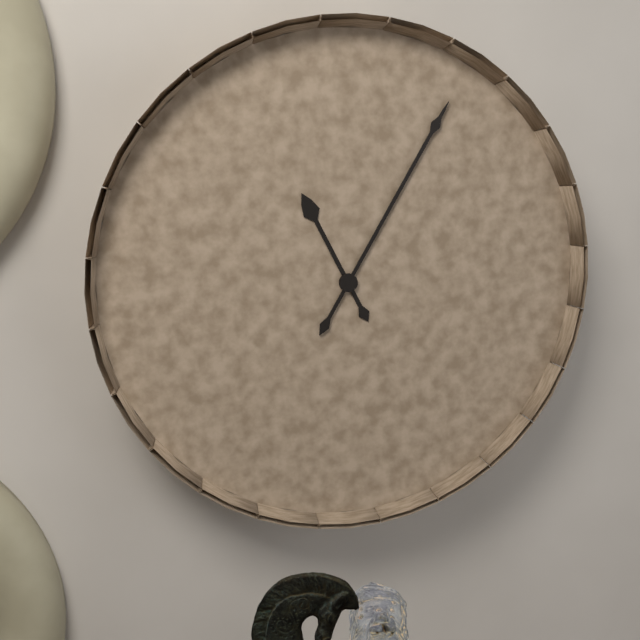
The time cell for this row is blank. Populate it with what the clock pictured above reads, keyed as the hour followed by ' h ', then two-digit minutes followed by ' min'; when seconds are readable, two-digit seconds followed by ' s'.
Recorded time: 11 h 05 min
